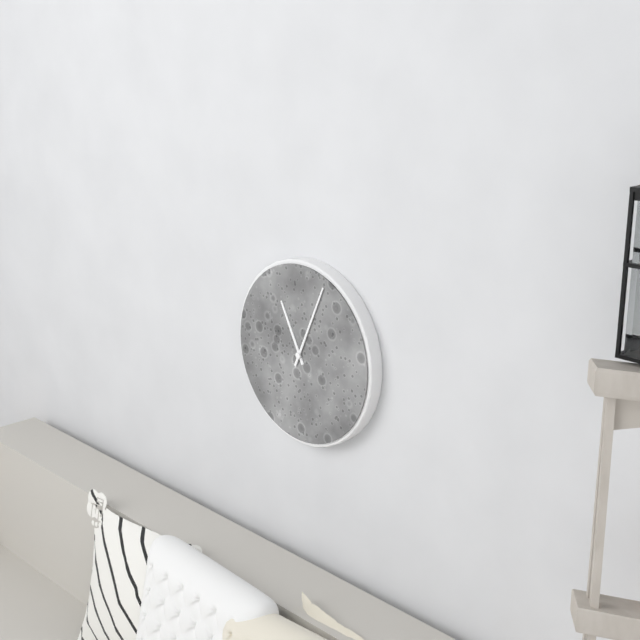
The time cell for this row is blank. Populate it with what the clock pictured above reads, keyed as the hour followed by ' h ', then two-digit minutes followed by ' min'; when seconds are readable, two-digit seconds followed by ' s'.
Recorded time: 11 h 04 min
